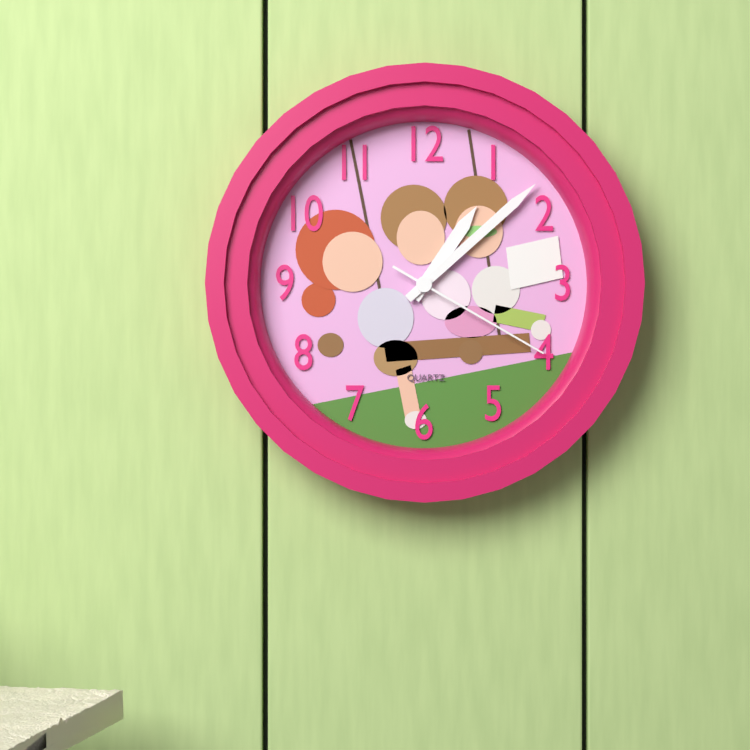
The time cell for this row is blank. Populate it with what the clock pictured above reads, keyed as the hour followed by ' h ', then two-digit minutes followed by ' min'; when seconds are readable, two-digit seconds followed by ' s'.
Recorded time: 1 h 08 min 20 s
